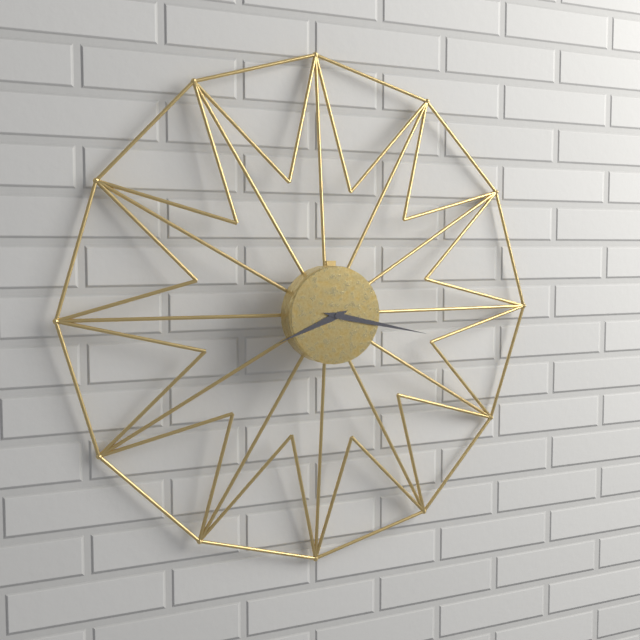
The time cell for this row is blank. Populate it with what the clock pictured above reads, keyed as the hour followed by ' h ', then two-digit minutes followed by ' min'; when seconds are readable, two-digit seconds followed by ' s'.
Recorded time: 8 h 17 min
